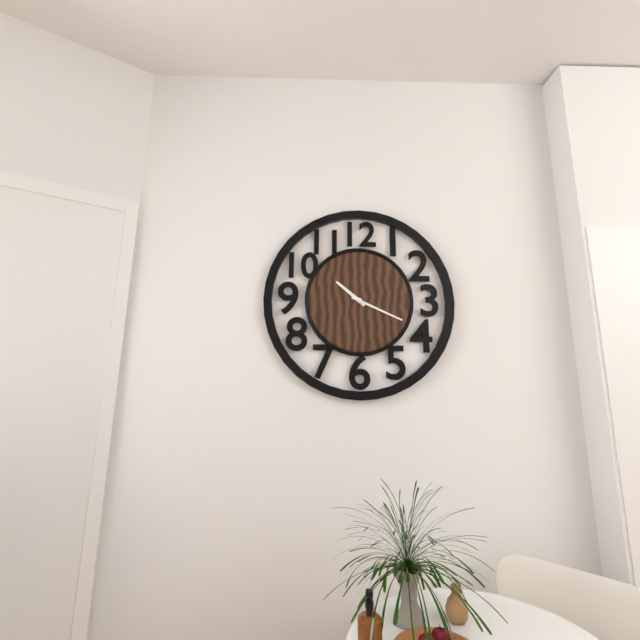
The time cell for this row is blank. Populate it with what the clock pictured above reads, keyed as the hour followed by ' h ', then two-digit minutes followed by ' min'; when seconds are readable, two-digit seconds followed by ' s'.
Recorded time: 10 h 19 min
